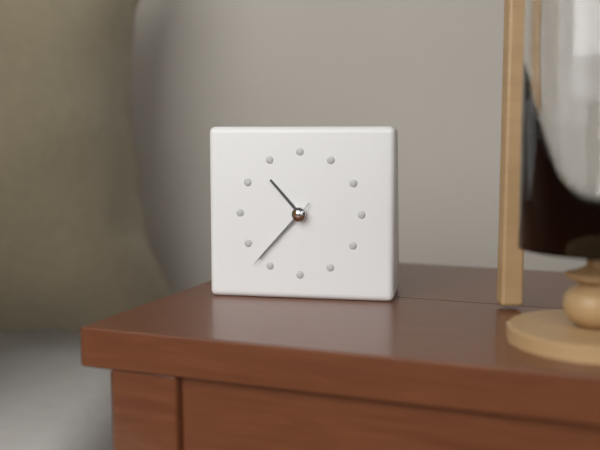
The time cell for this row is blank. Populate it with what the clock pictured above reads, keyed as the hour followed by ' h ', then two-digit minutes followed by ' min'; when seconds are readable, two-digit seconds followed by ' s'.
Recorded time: 10 h 37 min 37 s
